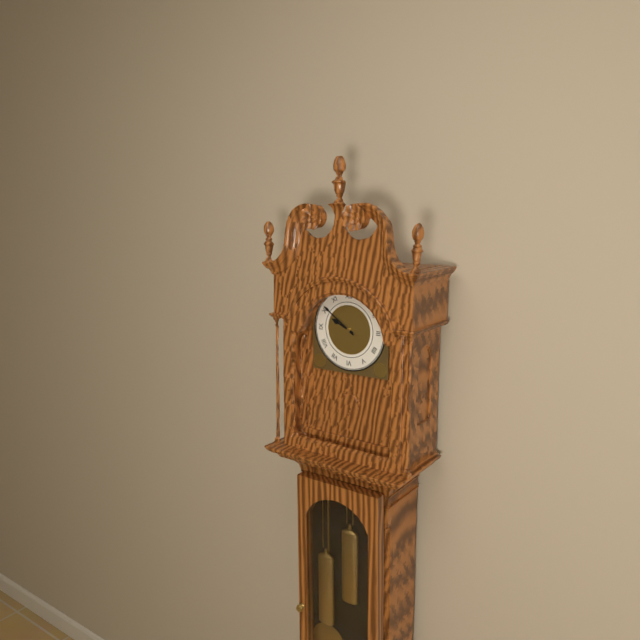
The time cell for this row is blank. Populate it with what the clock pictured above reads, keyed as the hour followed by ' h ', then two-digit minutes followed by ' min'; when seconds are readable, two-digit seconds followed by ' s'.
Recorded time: 9 h 51 min
